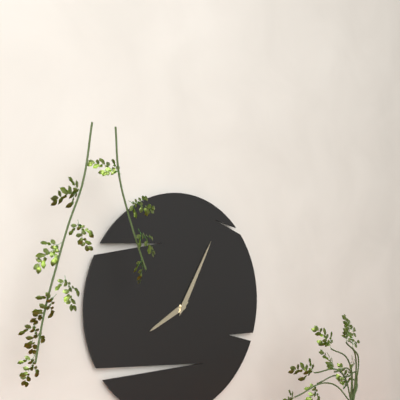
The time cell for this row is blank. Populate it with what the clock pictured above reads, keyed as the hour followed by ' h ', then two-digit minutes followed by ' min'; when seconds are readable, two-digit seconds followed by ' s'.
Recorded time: 8 h 05 min
